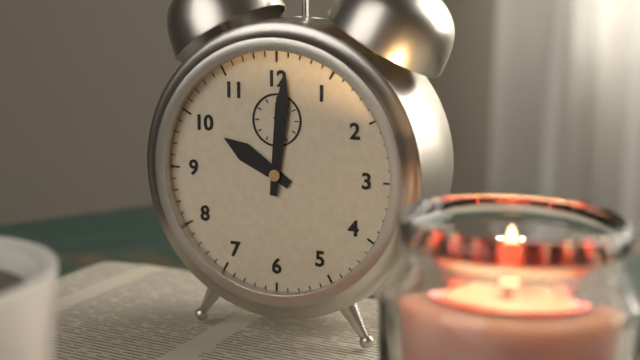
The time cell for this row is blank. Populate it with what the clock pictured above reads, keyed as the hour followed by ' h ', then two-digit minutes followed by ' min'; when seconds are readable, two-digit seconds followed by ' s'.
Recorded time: 10 h 01 min
